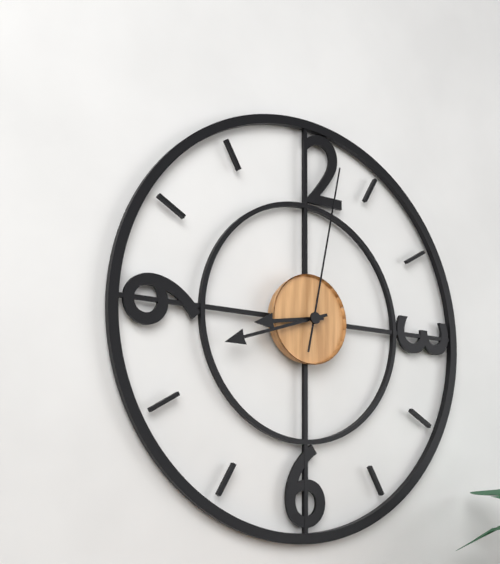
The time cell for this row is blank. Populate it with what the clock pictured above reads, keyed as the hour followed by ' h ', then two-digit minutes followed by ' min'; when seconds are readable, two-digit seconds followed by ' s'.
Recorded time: 8 h 42 min 02 s
